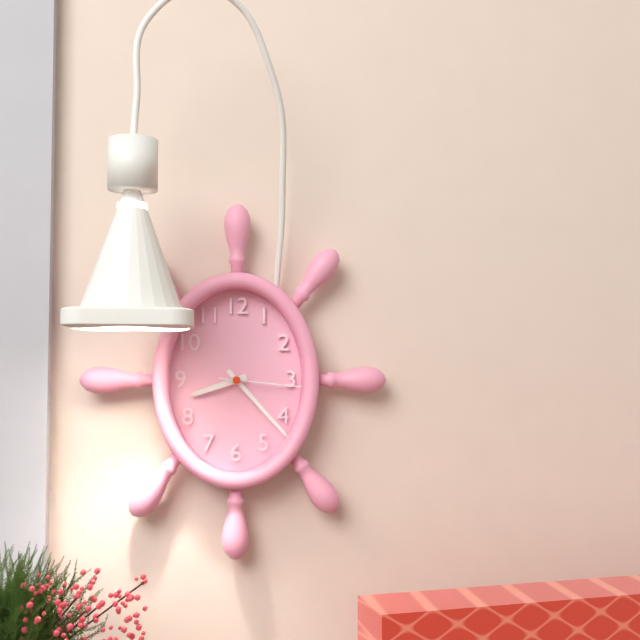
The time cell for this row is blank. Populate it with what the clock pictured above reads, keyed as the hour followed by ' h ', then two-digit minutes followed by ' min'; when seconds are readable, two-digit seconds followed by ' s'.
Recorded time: 8 h 23 min 16 s
